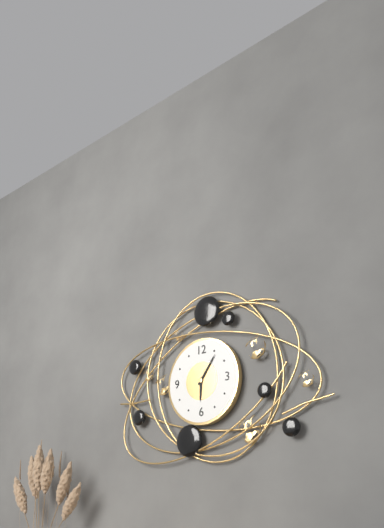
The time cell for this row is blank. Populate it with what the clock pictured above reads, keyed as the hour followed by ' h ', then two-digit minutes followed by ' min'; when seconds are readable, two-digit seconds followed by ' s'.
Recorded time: 6 h 06 min
